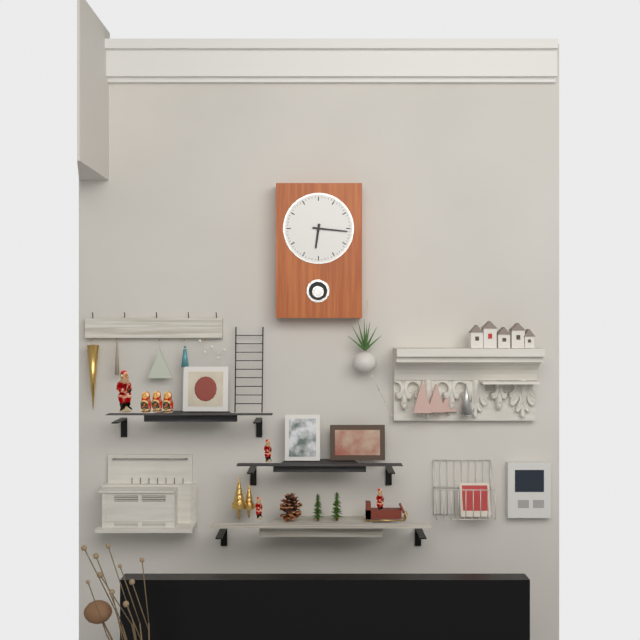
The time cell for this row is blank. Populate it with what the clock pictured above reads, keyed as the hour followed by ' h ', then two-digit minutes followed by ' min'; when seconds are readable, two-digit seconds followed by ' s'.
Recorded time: 6 h 16 min
